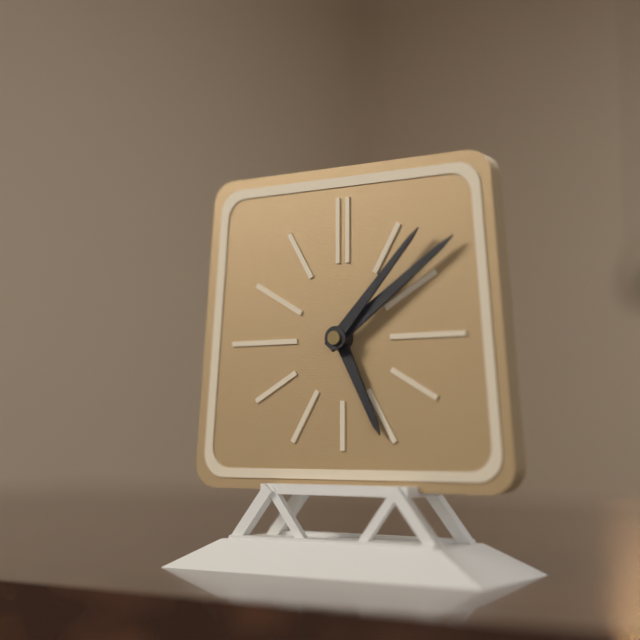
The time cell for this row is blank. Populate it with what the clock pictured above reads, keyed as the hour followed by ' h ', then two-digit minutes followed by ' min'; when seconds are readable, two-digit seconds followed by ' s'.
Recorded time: 5 h 09 min 07 s
